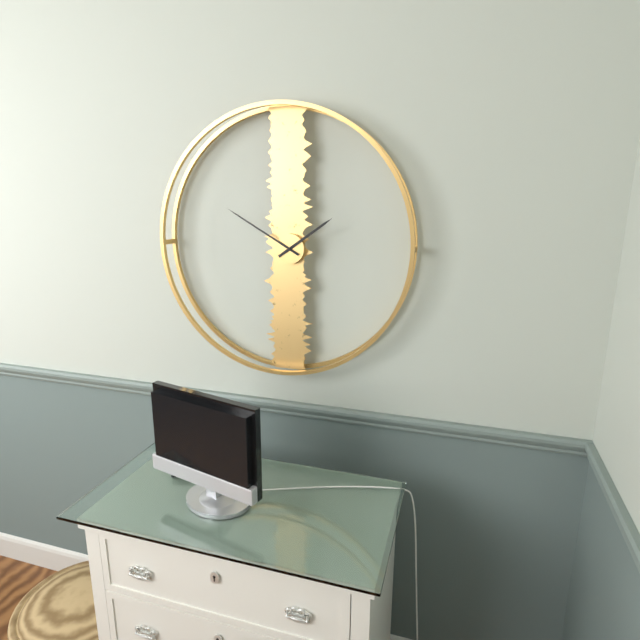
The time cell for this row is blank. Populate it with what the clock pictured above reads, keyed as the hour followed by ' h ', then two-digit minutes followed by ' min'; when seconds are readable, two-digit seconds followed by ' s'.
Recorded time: 1 h 50 min
